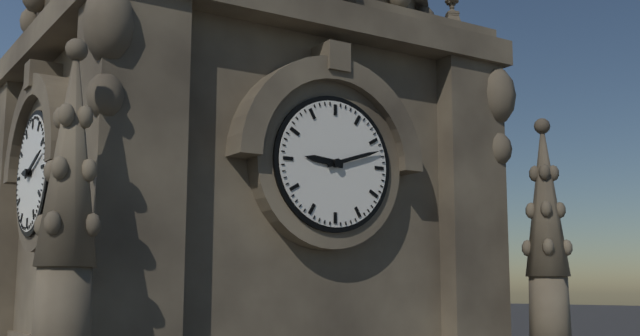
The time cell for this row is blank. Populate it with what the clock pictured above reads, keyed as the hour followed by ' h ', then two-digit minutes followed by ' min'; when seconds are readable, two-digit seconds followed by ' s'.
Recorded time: 9 h 12 min
